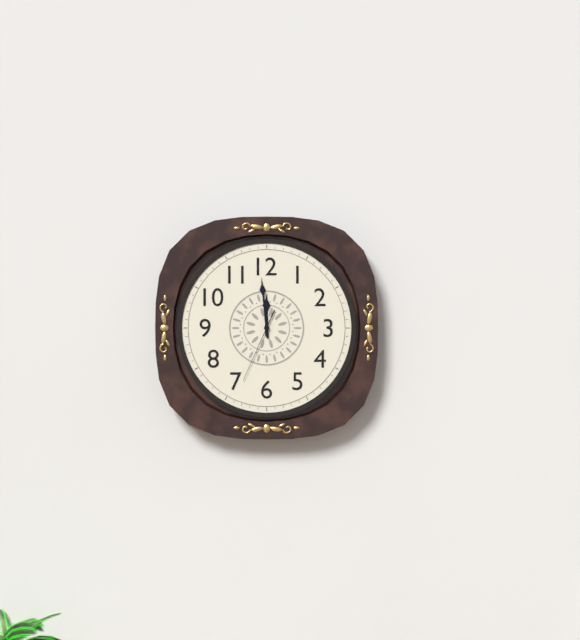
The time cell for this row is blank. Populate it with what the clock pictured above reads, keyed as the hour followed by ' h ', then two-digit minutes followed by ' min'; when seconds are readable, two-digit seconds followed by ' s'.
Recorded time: 11 h 59 min 34 s
